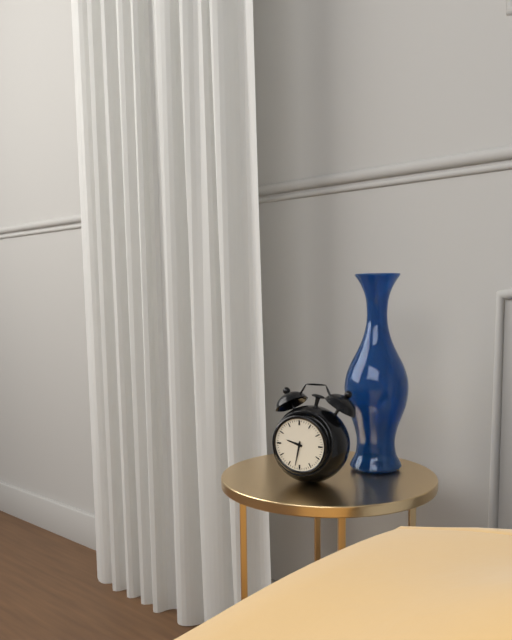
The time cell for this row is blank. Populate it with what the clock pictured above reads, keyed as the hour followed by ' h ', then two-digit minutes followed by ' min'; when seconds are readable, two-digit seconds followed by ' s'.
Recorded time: 9 h 32 min
